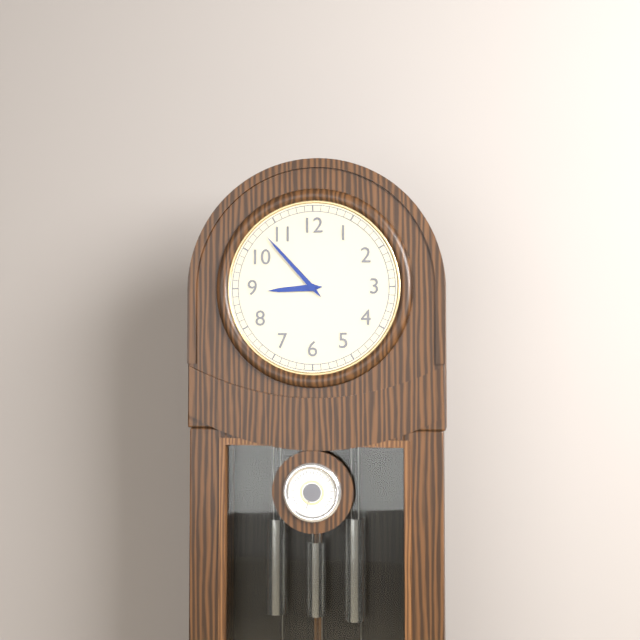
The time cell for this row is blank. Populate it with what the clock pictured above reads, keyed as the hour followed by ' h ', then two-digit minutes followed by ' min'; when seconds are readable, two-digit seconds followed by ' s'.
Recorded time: 8 h 53 min
